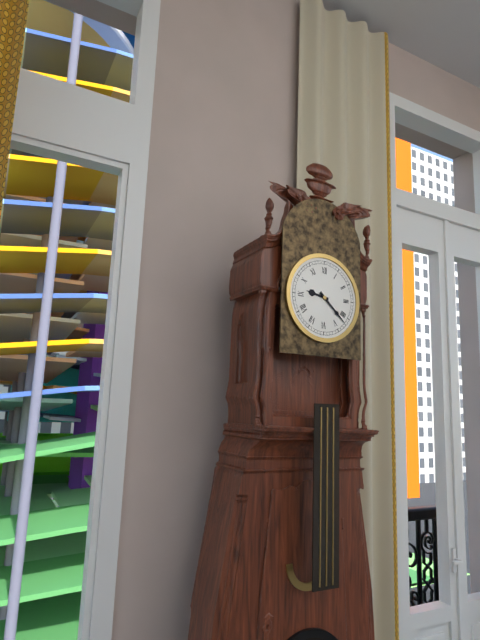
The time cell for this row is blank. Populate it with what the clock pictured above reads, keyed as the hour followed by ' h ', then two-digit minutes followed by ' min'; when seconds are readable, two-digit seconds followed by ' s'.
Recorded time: 9 h 22 min
